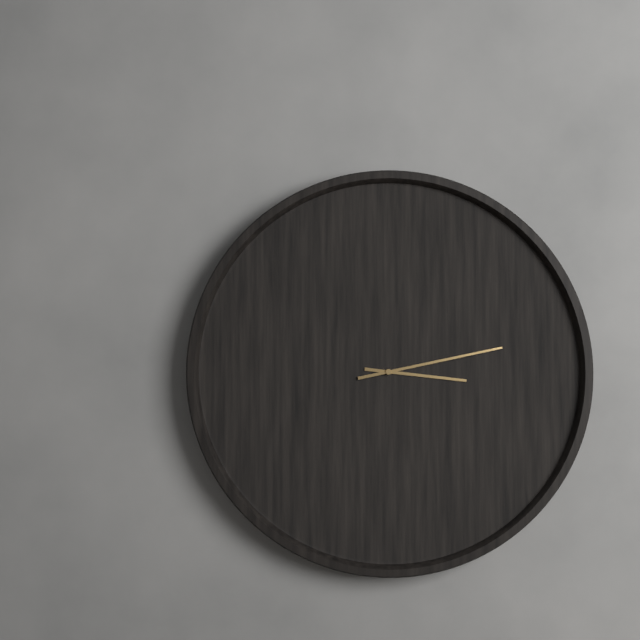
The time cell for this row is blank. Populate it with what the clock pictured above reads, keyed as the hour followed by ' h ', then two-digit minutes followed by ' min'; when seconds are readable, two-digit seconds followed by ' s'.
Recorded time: 3 h 13 min
